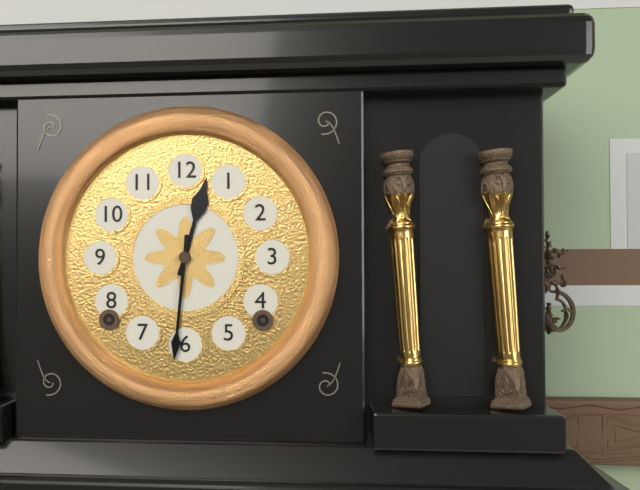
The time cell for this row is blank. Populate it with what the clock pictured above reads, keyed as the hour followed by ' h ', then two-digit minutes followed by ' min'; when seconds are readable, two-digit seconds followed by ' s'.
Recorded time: 12 h 31 min
